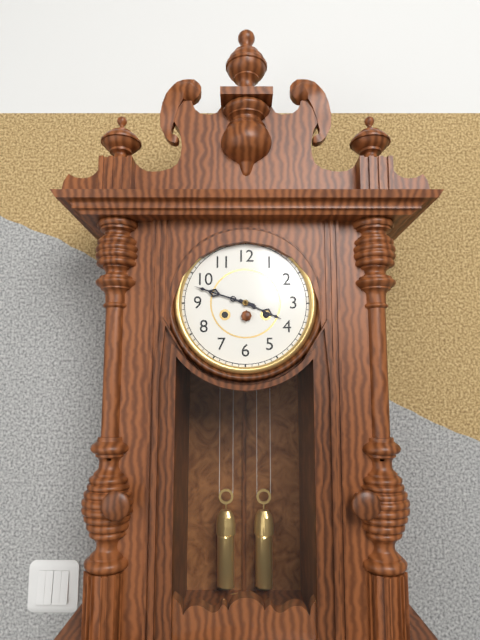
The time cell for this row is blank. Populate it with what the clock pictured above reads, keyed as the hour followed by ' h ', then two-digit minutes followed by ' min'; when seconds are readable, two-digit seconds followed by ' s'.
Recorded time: 3 h 48 min
